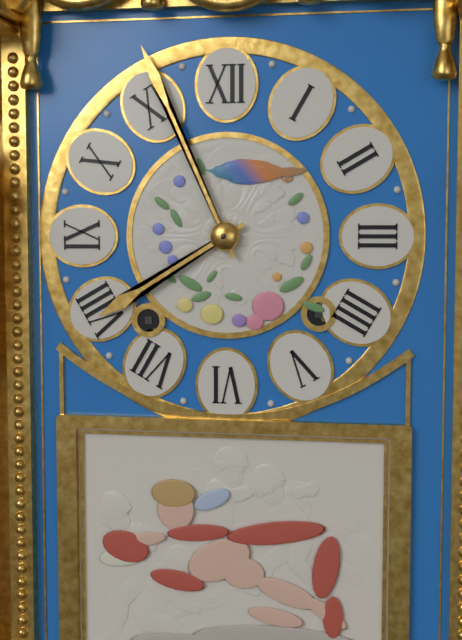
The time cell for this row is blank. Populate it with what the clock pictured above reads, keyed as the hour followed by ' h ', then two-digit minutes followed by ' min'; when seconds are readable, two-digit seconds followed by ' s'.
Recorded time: 7 h 56 min
